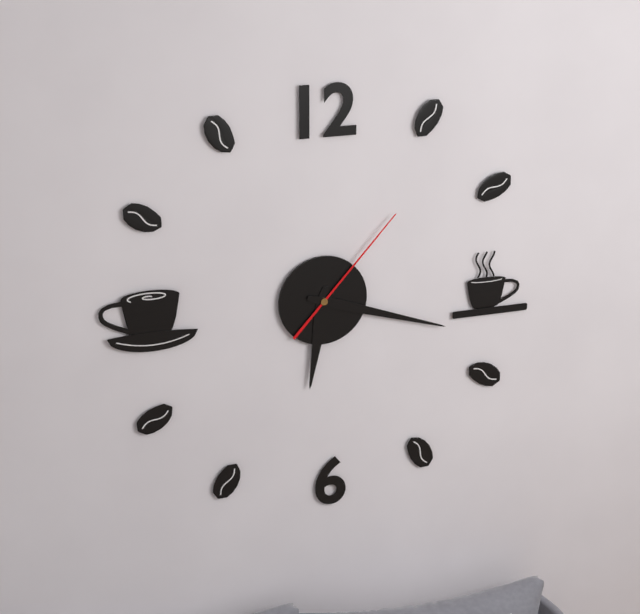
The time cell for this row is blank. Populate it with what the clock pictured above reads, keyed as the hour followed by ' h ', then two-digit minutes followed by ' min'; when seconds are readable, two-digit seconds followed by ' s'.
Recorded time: 6 h 18 min 07 s
